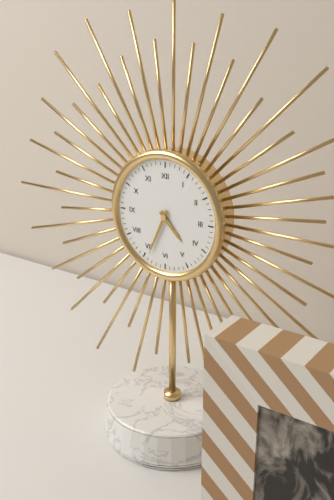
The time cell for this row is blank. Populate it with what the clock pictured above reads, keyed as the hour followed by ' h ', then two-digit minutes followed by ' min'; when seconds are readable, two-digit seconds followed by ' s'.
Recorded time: 4 h 34 min
